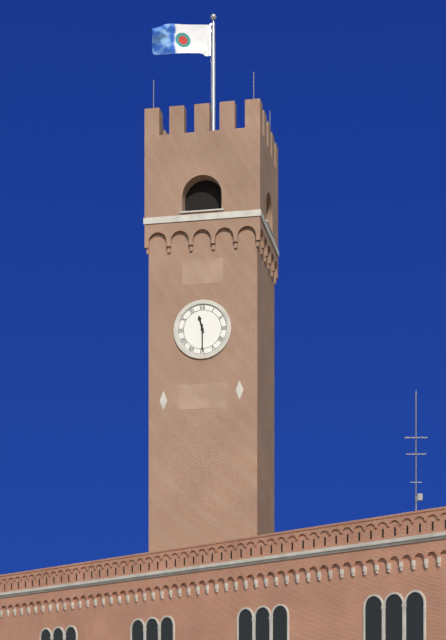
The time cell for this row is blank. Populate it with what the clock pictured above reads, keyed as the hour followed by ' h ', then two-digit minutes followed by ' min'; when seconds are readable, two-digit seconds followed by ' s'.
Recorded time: 11 h 30 min
